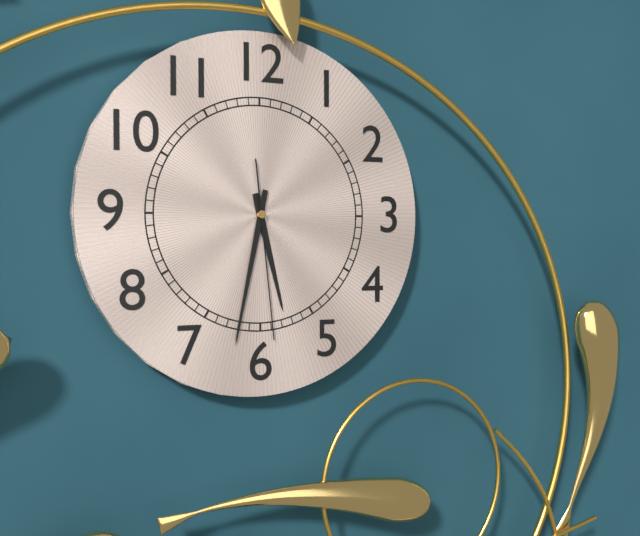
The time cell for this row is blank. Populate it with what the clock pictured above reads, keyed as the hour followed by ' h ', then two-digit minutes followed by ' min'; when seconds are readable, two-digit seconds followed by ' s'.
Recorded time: 5 h 32 min 29 s
